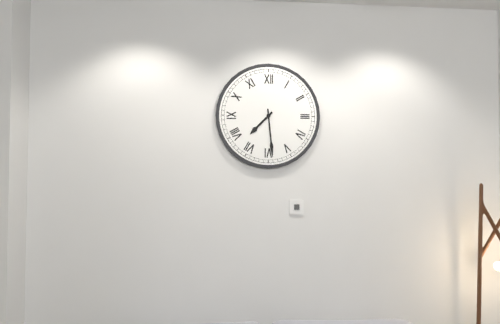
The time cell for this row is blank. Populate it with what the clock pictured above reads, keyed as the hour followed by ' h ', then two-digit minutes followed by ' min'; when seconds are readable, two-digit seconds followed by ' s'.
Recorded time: 7 h 29 min
